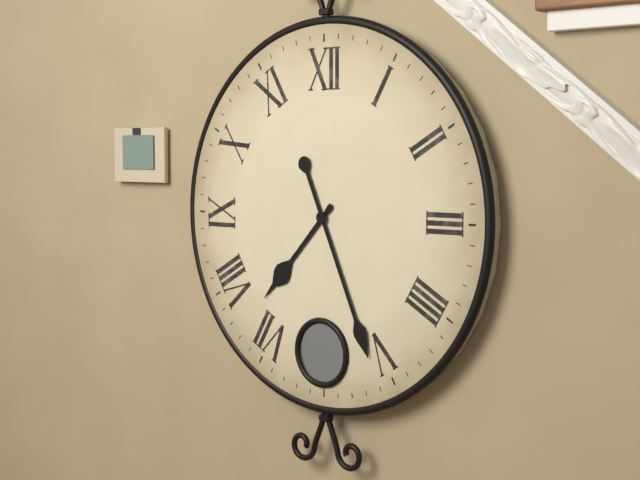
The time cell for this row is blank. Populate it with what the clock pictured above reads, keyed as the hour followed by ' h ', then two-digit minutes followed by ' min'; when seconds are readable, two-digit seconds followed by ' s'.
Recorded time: 7 h 26 min
